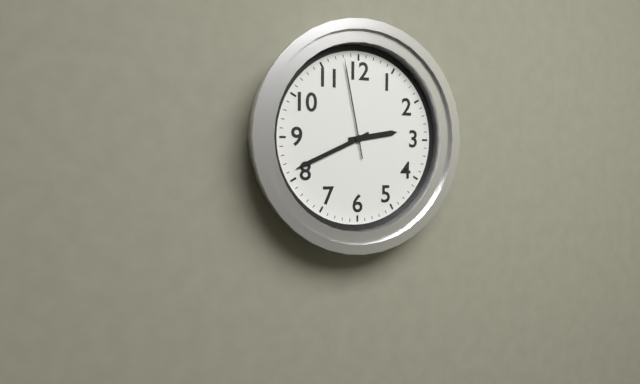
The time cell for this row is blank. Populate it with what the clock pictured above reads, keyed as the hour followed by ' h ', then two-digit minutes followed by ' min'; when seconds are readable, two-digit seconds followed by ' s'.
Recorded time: 2 h 41 min 58 s
